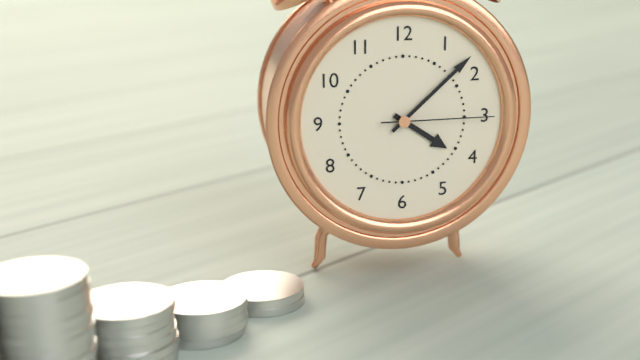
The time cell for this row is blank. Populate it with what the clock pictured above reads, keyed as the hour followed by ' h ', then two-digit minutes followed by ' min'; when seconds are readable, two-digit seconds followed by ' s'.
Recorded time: 4 h 08 min 15 s
